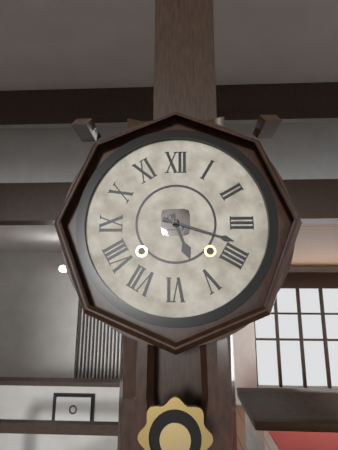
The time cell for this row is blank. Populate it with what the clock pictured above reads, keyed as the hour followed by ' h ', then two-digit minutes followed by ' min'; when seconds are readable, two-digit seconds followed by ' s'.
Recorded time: 5 h 18 min
